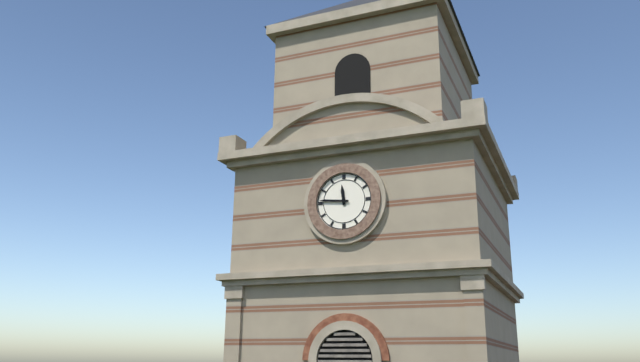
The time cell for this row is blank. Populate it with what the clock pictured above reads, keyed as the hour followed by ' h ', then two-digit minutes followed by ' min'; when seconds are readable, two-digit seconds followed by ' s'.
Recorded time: 11 h 46 min
